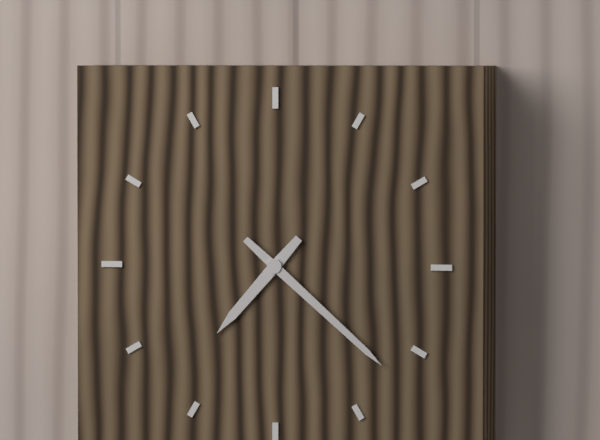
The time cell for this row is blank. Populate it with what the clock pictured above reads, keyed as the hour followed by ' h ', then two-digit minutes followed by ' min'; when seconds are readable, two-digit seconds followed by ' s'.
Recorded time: 7 h 22 min
